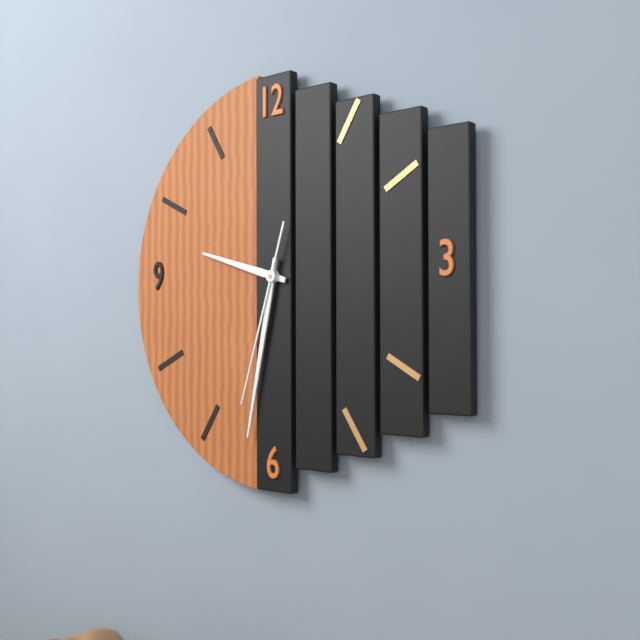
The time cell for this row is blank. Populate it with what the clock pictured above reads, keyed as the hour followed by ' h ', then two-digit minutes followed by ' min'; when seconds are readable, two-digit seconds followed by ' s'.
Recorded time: 9 h 32 min 33 s
